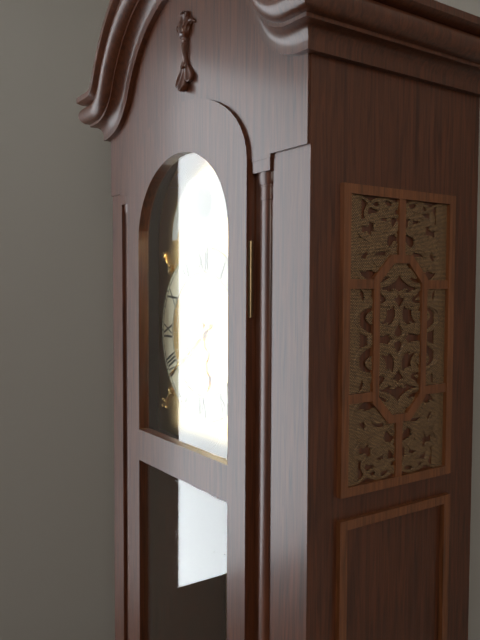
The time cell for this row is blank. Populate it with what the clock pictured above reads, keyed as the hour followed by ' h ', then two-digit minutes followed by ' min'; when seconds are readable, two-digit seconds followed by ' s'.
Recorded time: 5 h 39 min
